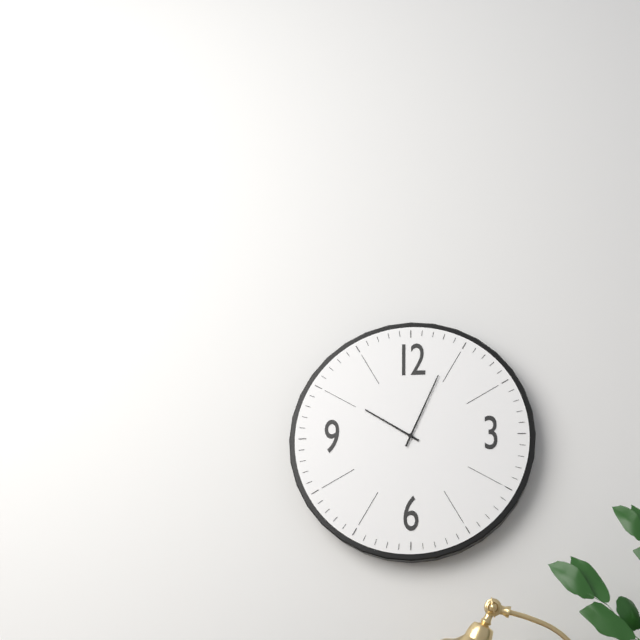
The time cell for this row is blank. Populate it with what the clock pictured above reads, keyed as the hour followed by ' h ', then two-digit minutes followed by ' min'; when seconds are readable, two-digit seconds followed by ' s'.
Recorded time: 10 h 04 min
